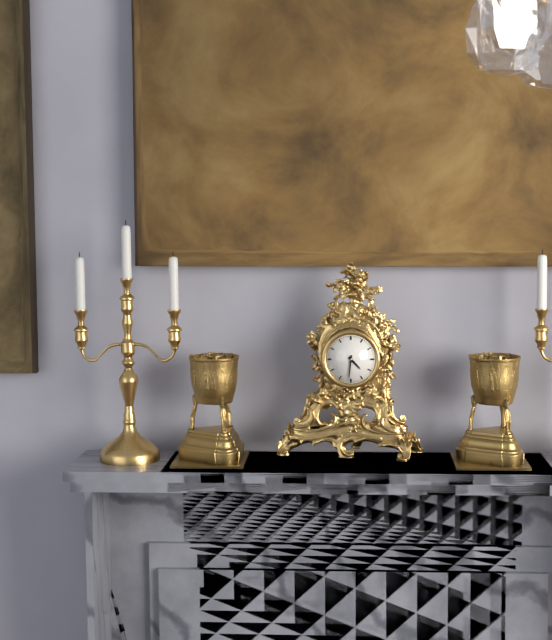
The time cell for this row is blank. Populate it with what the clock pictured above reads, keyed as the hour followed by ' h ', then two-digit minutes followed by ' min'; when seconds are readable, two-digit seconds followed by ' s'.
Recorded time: 4 h 31 min
